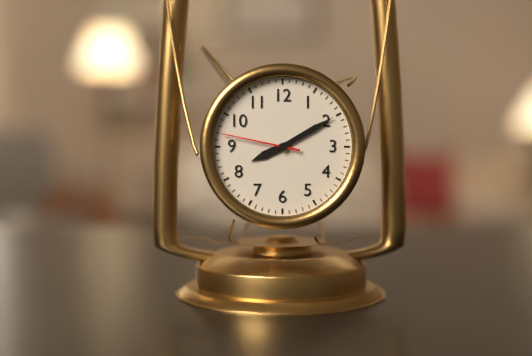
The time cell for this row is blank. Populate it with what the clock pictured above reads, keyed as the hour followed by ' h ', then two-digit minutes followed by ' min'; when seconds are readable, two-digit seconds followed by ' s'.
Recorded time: 8 h 10 min 47 s
